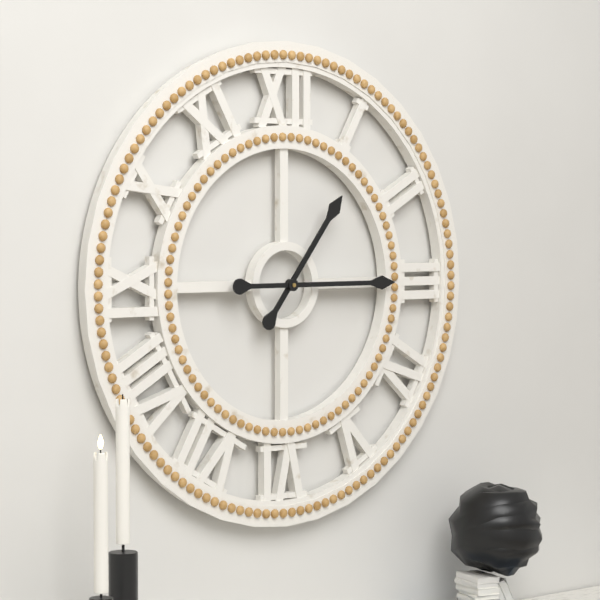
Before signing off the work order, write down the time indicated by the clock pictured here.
1:15
